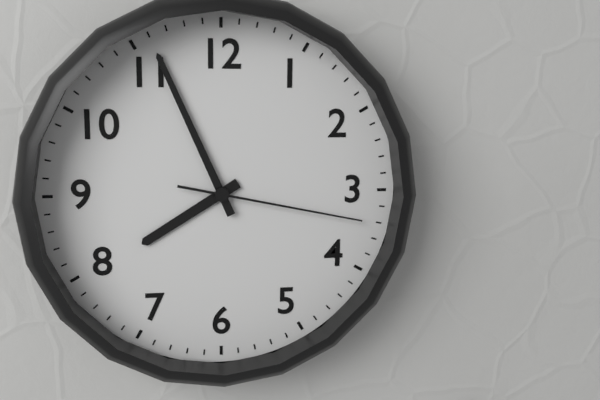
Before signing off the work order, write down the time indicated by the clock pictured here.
7:56:17
